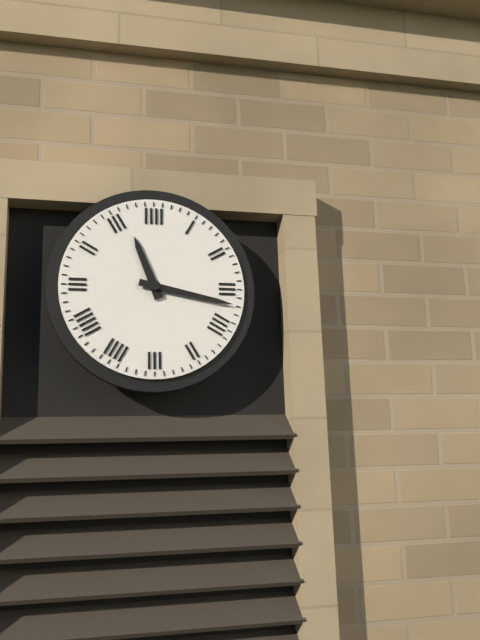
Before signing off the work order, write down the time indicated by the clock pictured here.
11:17
